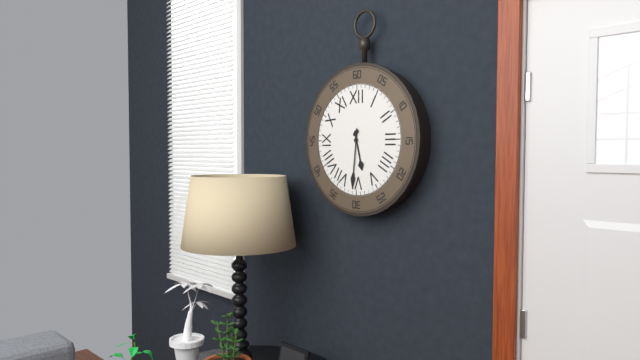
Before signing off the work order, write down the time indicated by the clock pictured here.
5:31
